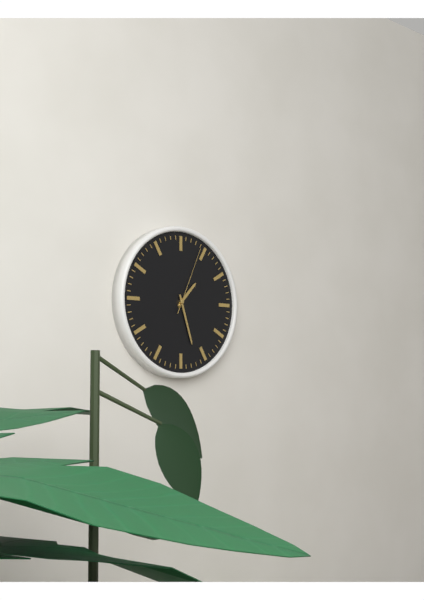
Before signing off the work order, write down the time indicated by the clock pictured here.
1:27:04
